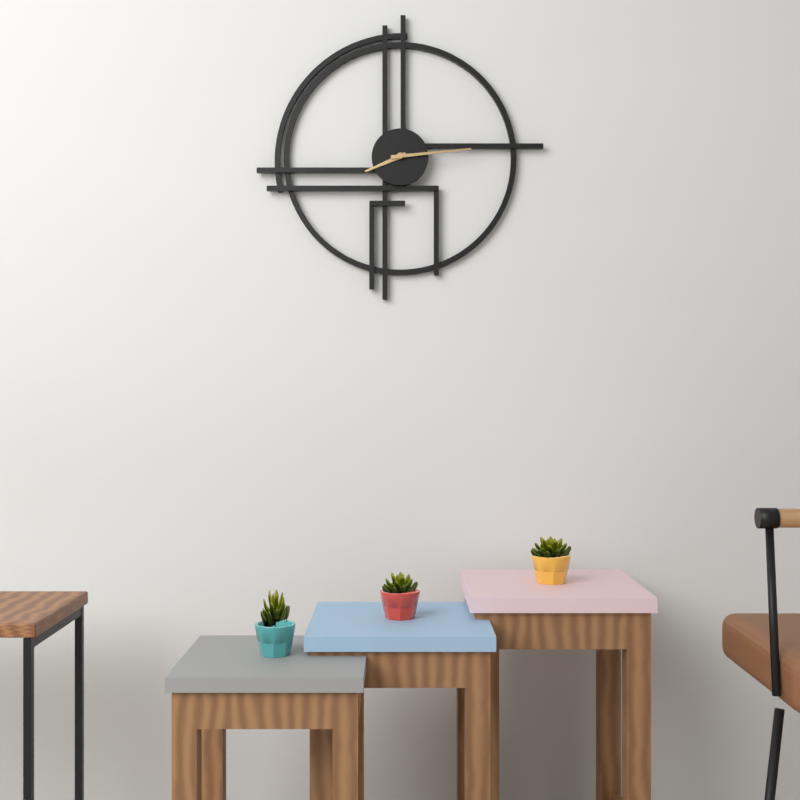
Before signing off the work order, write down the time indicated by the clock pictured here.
8:14
